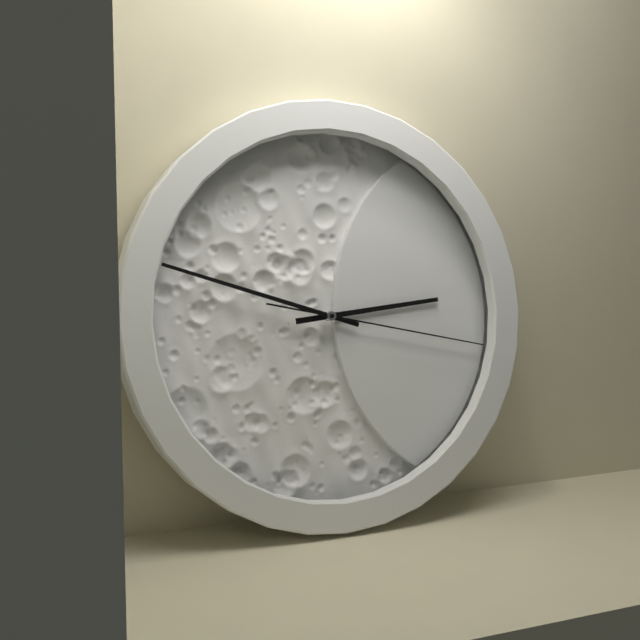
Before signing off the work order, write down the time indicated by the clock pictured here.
2:48:17
